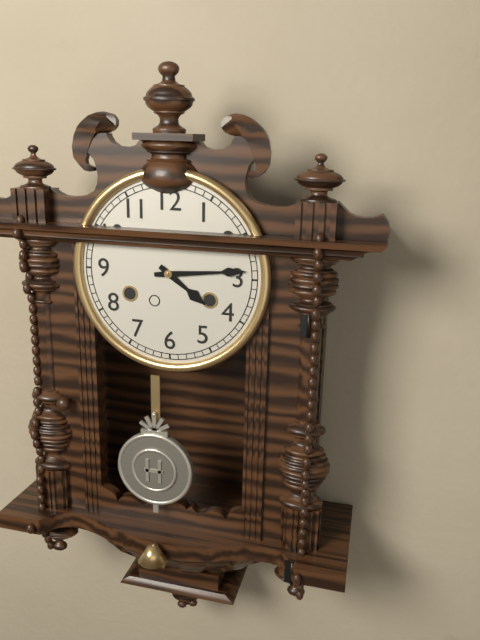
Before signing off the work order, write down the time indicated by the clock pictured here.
4:14
